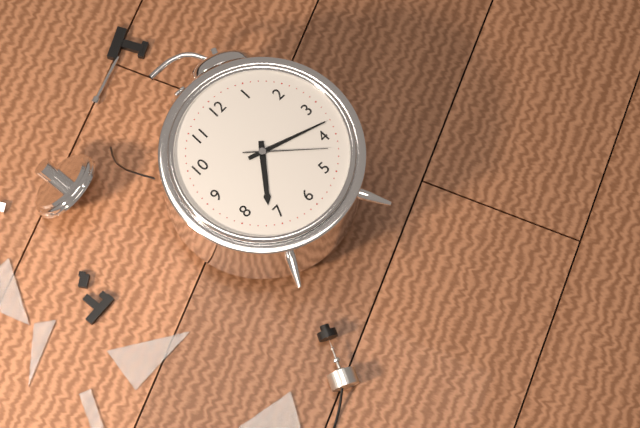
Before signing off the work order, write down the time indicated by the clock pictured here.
7:18:22
